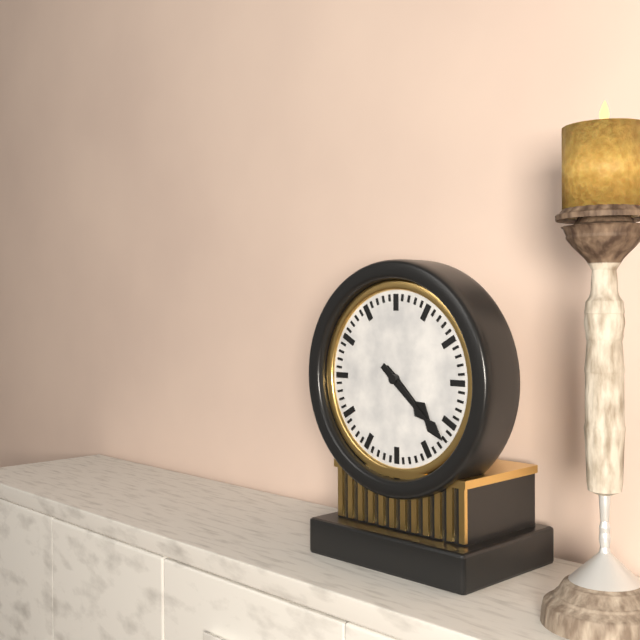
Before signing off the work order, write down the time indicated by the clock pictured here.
4:22
